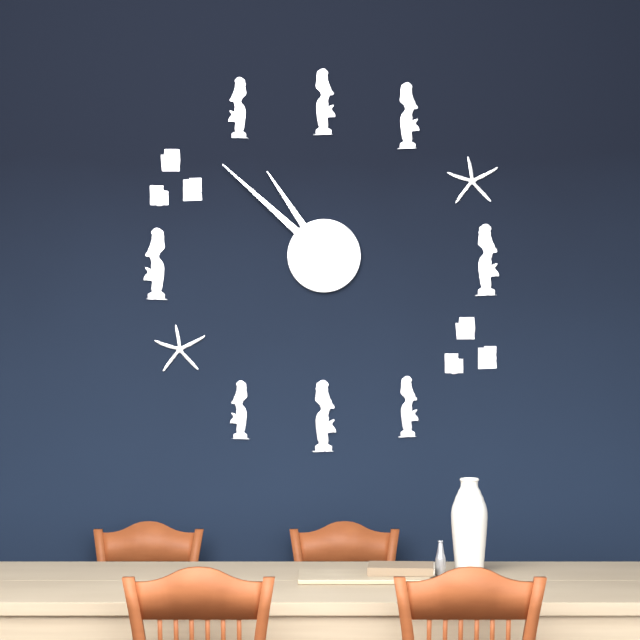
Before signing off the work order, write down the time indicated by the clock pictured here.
10:52
